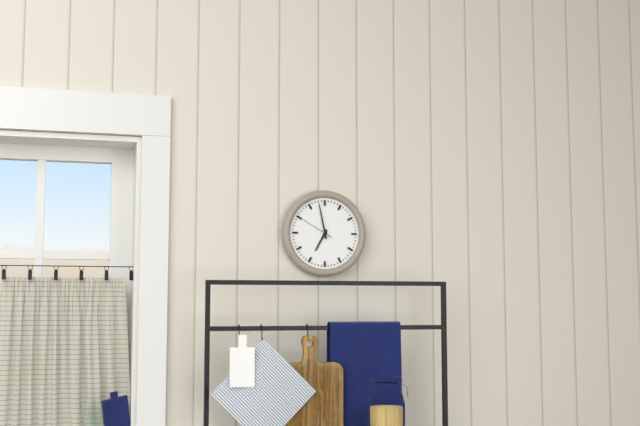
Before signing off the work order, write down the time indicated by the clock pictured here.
6:58
